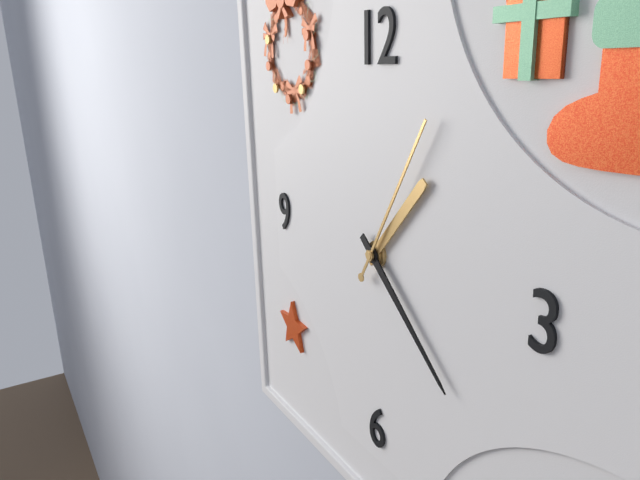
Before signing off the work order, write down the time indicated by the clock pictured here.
1:22:05
